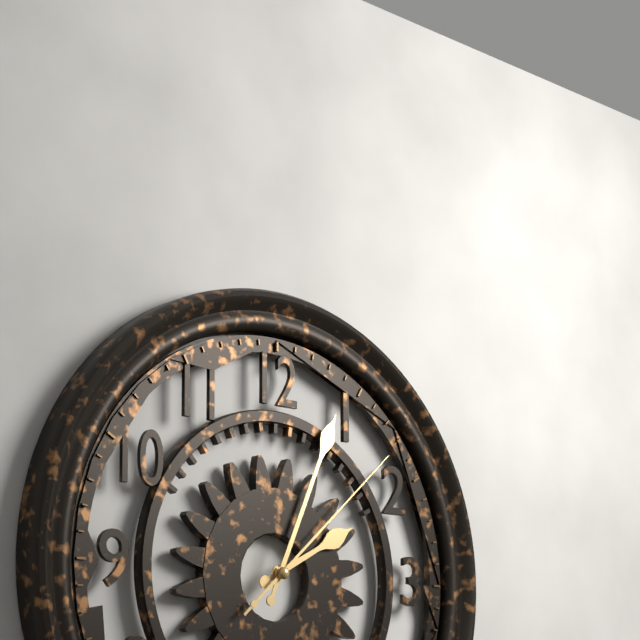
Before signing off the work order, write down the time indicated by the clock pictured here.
2:04:08
